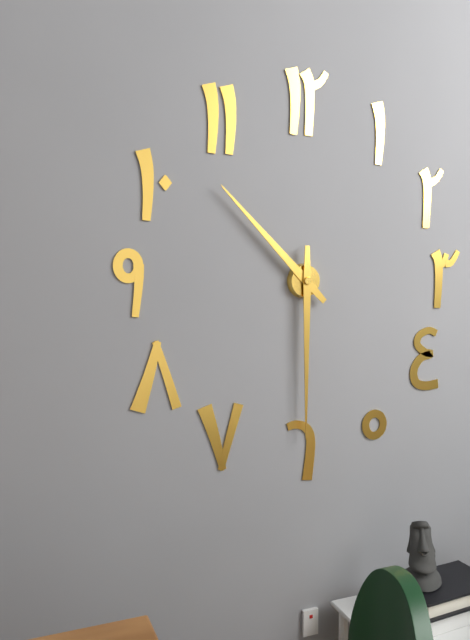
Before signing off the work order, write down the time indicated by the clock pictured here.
10:30
